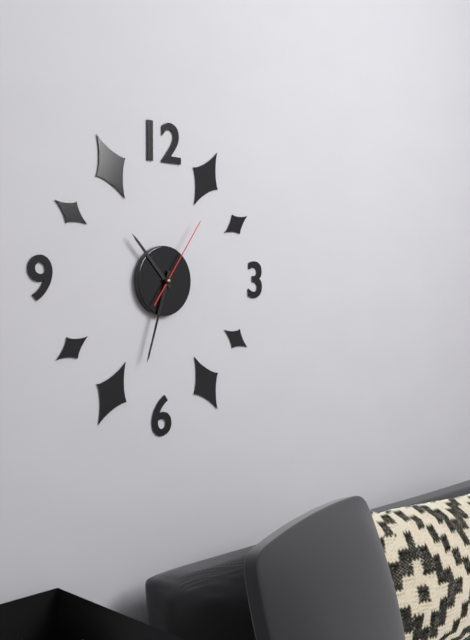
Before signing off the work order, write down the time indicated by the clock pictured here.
10:33:06
